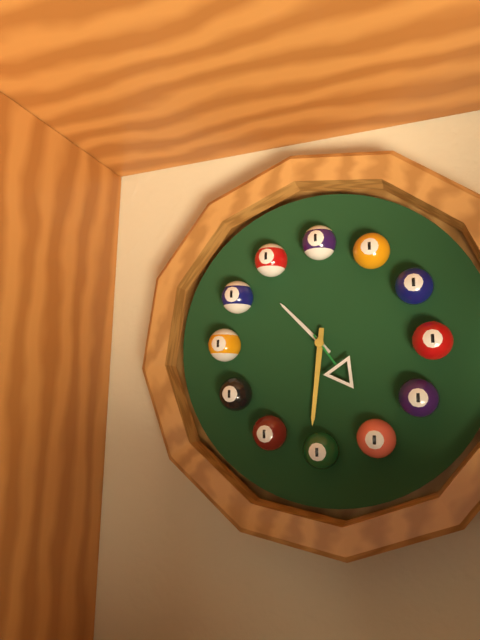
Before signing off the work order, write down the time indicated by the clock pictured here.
10:31:24
